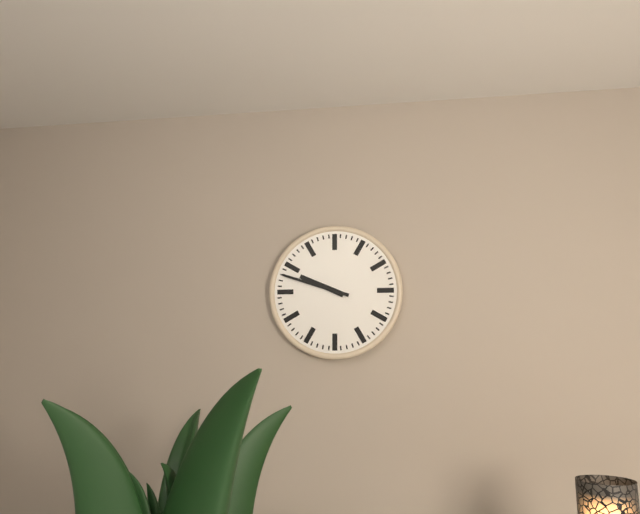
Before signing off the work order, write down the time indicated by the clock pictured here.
9:48
